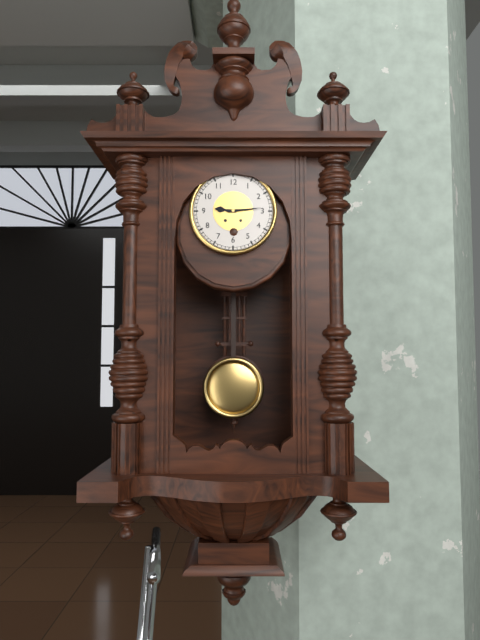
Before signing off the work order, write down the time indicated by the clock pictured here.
9:14
